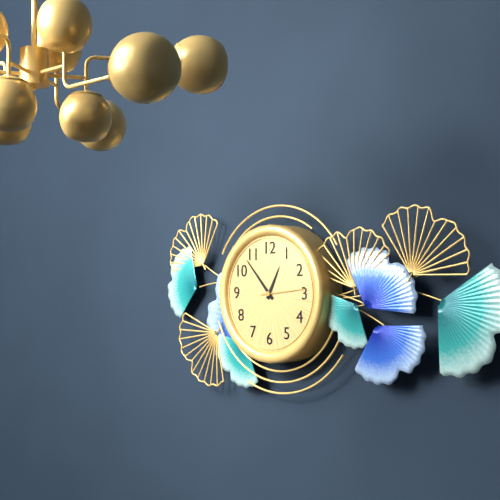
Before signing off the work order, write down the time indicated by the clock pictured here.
12:53
